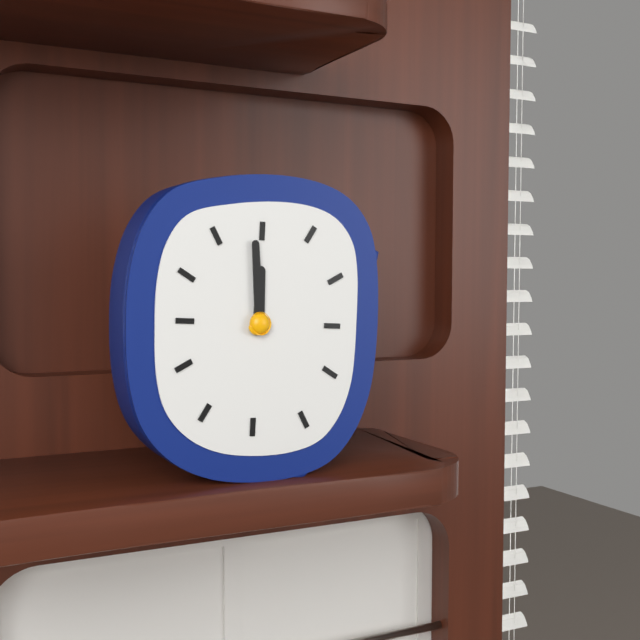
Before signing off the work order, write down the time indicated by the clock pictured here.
11:59
